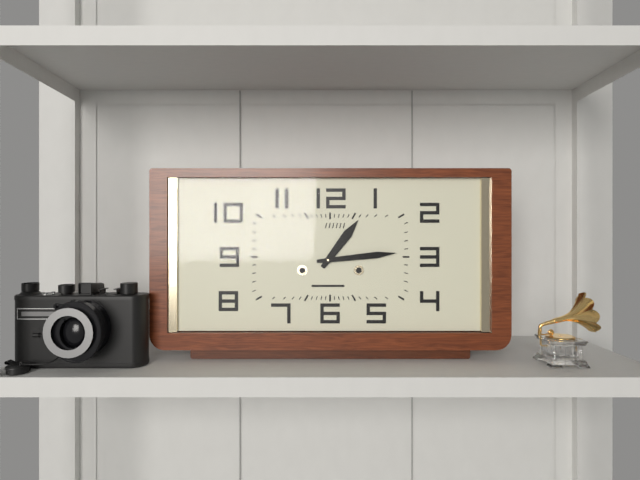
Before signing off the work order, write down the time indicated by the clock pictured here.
1:14
